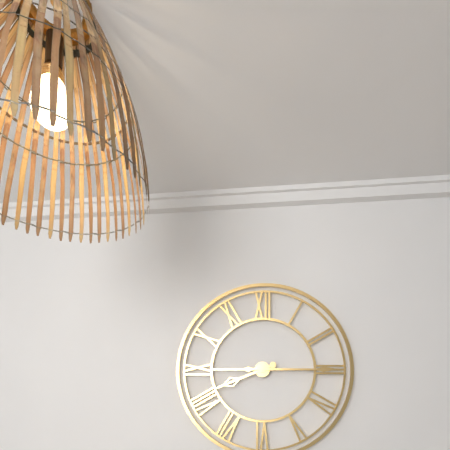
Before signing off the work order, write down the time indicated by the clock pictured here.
8:15
